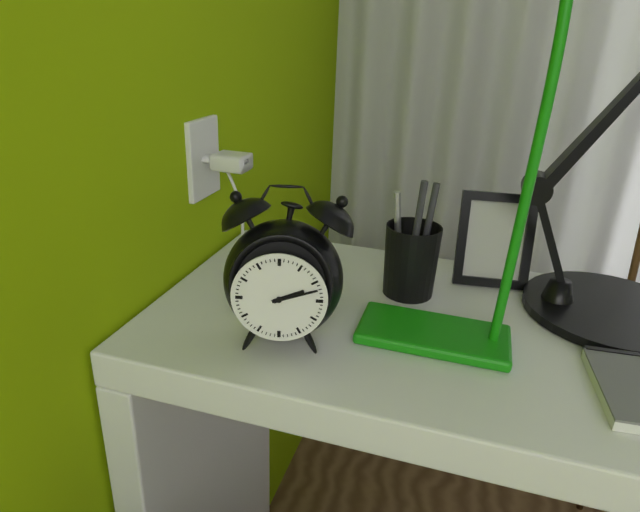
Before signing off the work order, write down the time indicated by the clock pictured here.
2:12
